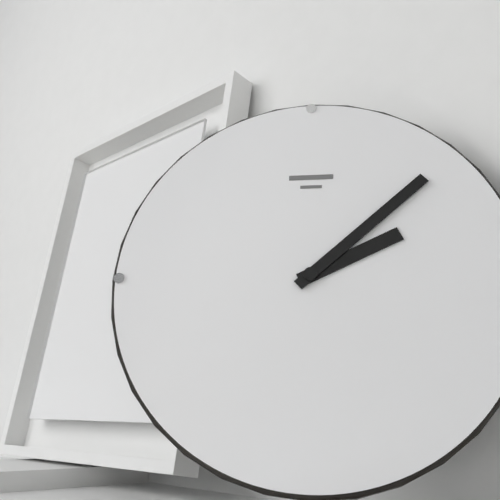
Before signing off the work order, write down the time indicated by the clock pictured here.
2:08
